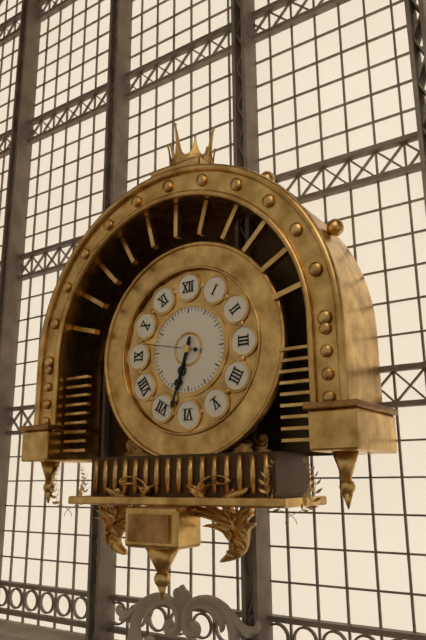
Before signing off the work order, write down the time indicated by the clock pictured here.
6:33:47
